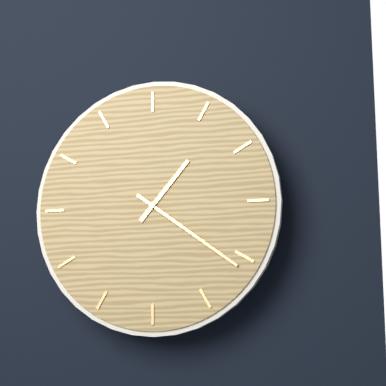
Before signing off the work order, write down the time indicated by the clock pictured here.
1:21
